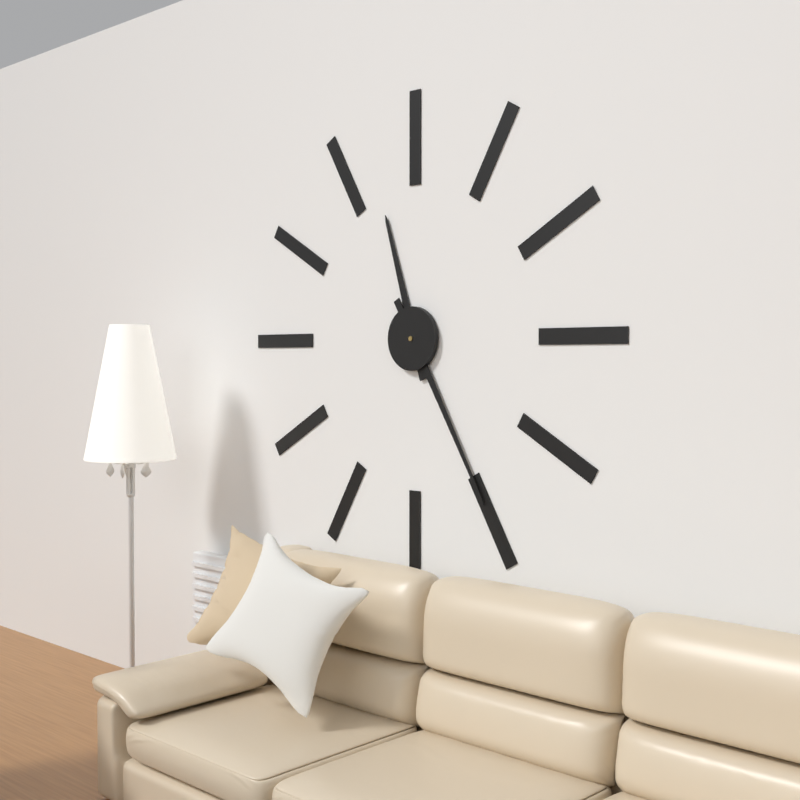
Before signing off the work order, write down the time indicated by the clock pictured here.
11:25
